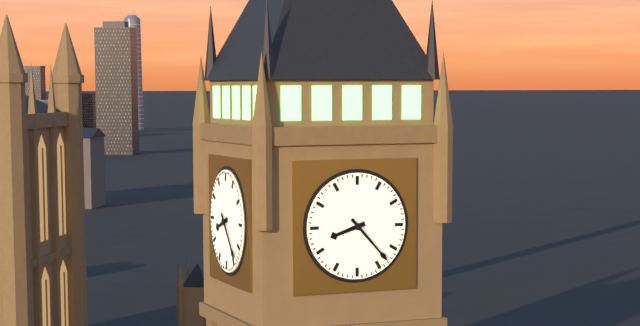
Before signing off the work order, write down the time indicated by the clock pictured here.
8:23
